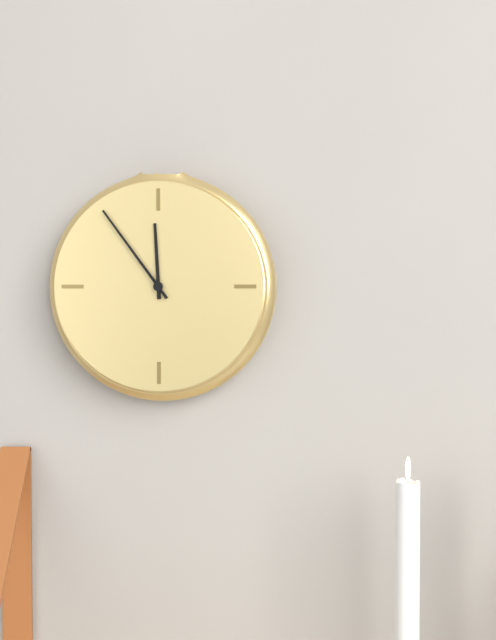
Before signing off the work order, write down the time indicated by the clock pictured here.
11:54
